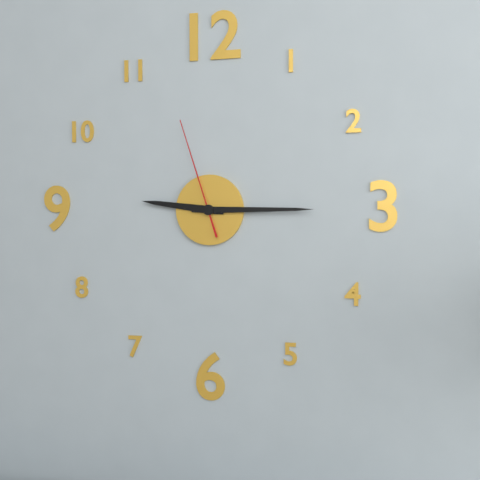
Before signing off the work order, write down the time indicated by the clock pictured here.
9:15:57
